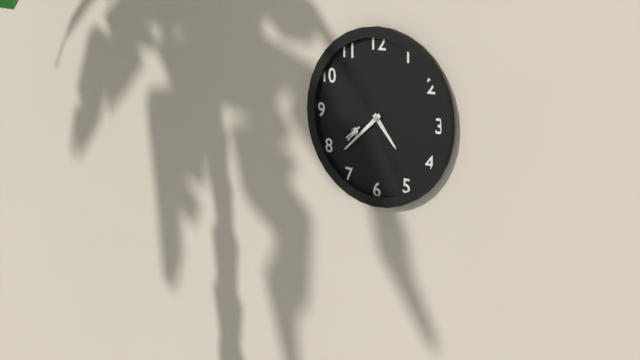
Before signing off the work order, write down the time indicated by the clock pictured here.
4:38
